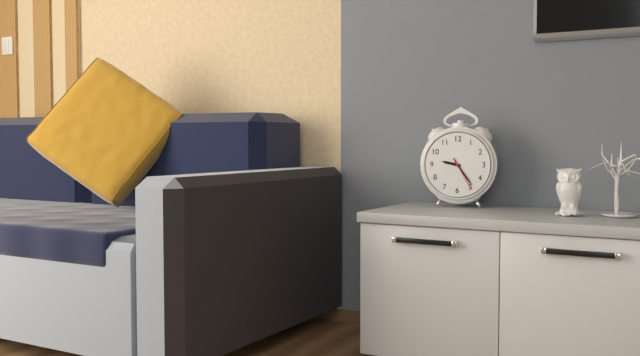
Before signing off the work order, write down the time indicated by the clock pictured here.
9:24
